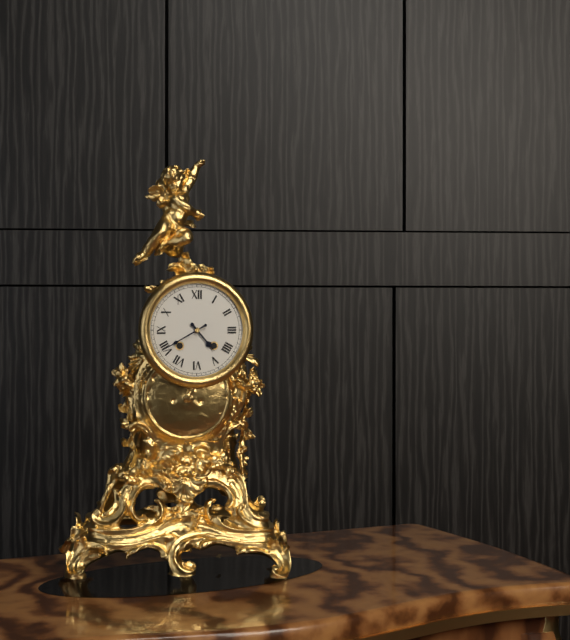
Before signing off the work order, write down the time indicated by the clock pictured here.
4:40
